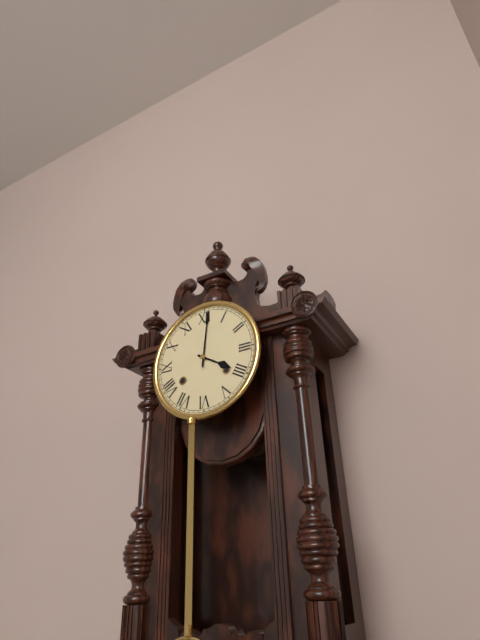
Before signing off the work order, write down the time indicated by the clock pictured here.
4:01
